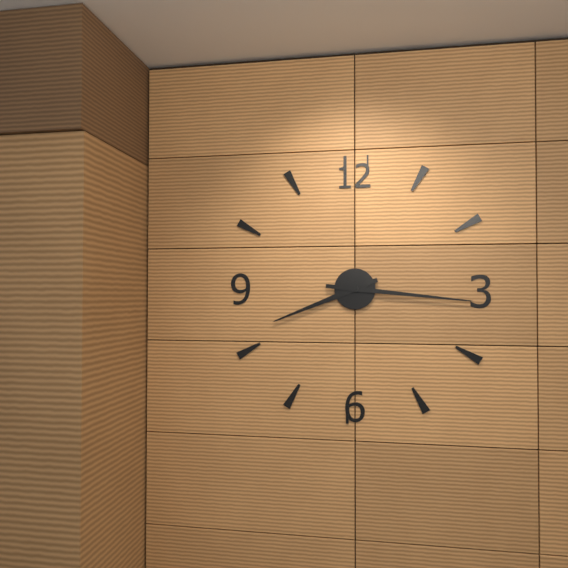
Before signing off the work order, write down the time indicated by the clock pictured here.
8:16
